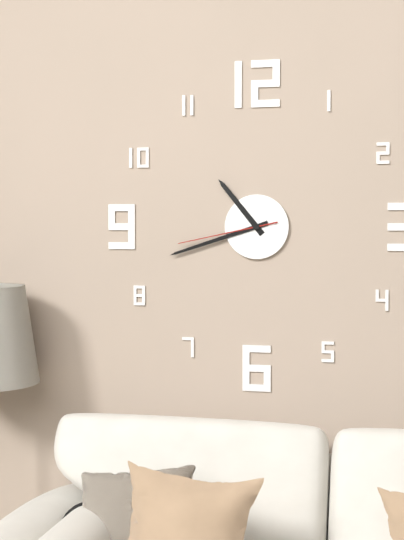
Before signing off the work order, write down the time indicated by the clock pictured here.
10:42:43
